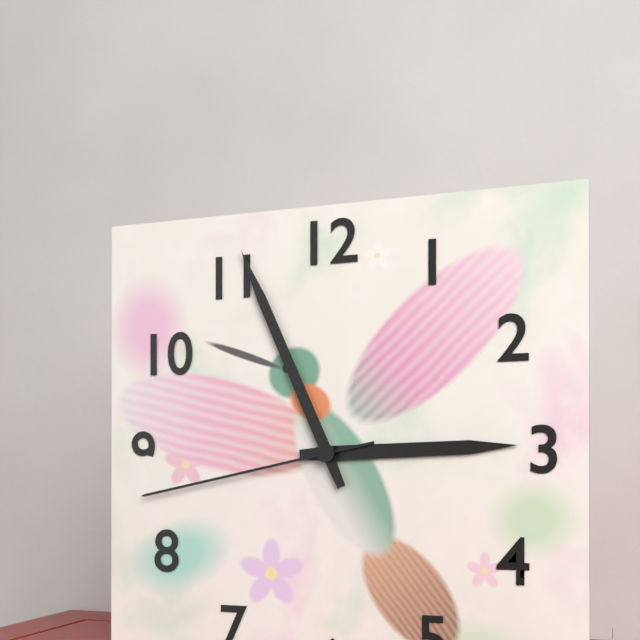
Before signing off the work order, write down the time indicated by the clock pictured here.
2:56:43
